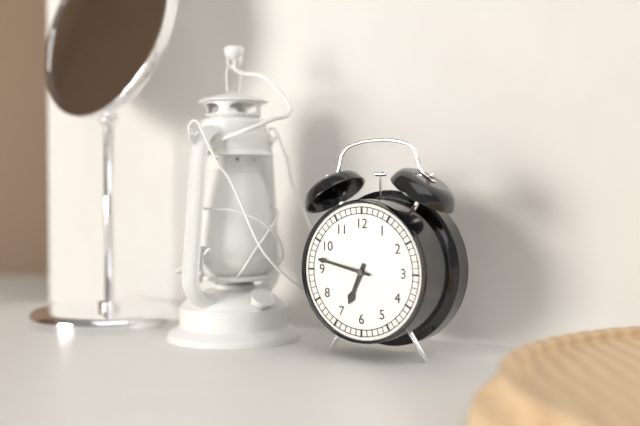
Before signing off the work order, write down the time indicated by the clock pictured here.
6:47
